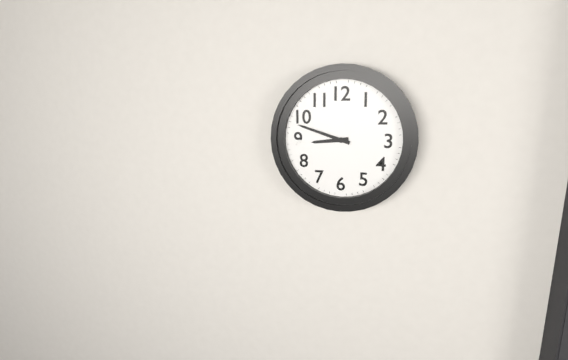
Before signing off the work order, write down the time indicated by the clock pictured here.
8:48
